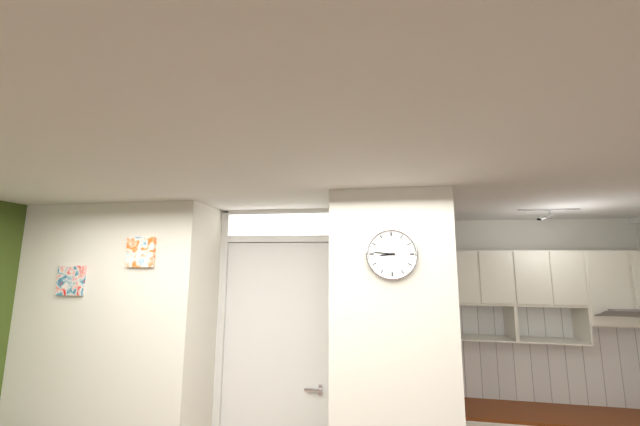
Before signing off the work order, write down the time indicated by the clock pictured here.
8:46
